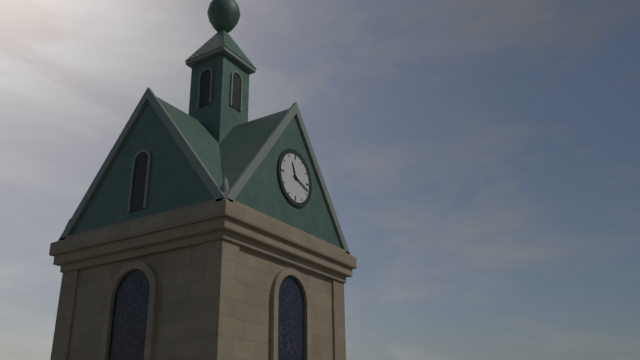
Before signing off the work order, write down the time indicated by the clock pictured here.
11:18
